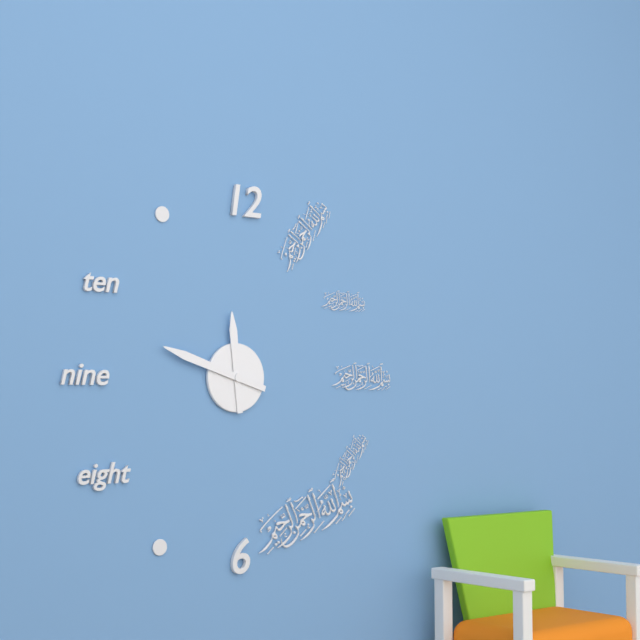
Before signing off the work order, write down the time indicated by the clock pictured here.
11:48
